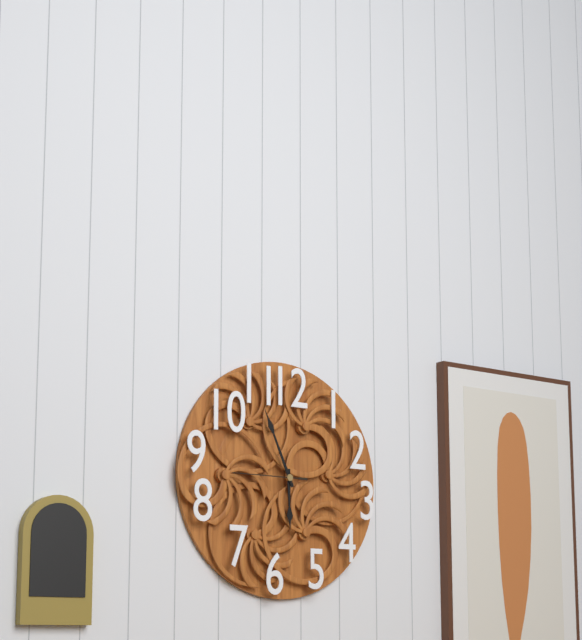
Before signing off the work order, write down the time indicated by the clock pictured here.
5:56:45
